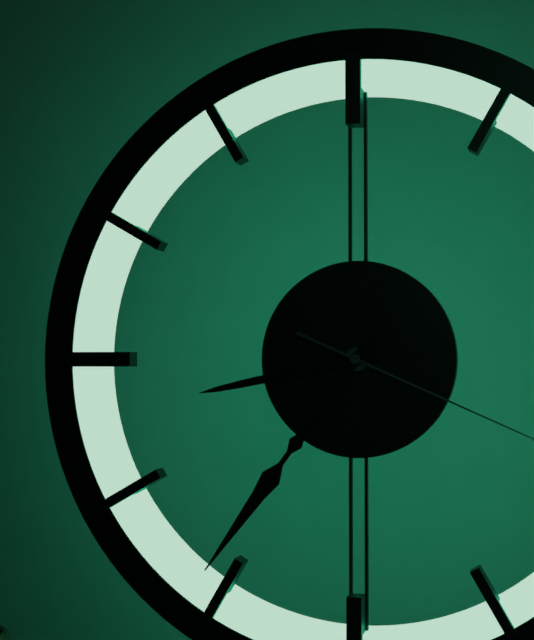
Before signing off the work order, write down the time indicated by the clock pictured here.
8:36
